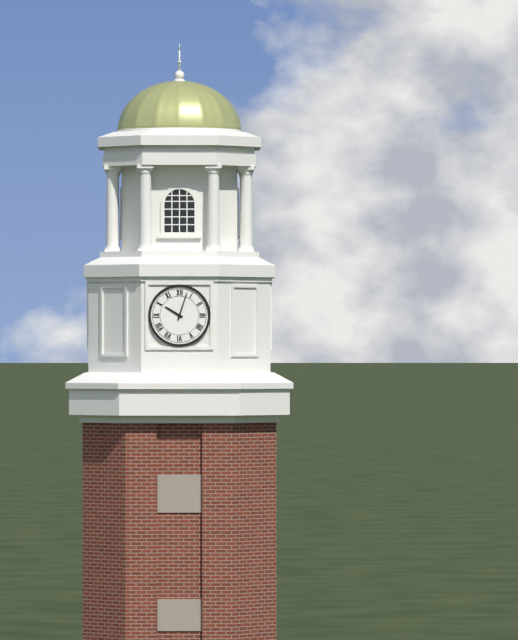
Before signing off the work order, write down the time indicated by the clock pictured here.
10:03
